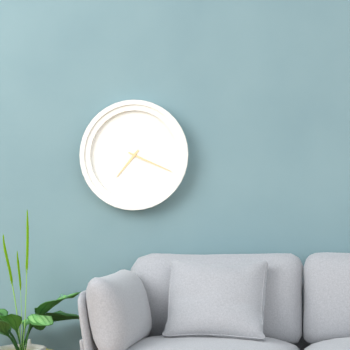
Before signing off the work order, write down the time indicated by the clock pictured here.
7:19
